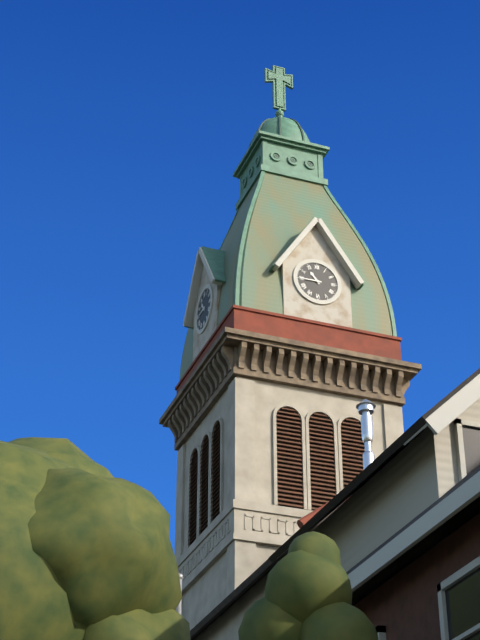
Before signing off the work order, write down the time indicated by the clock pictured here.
10:45
